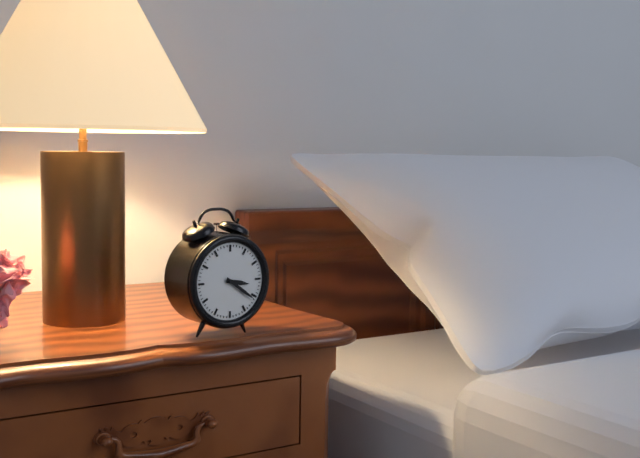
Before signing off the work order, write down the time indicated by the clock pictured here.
3:21
